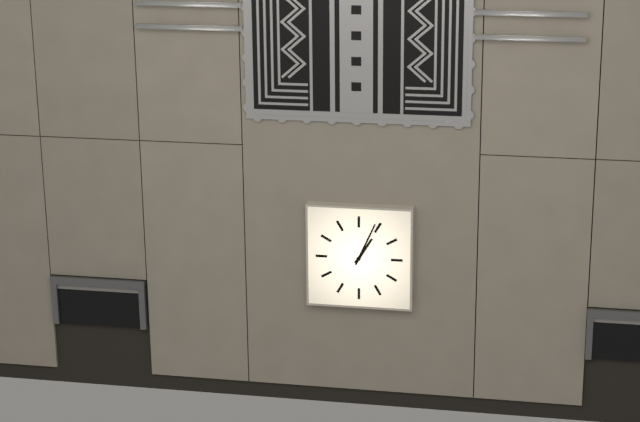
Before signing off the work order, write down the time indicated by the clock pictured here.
1:04
